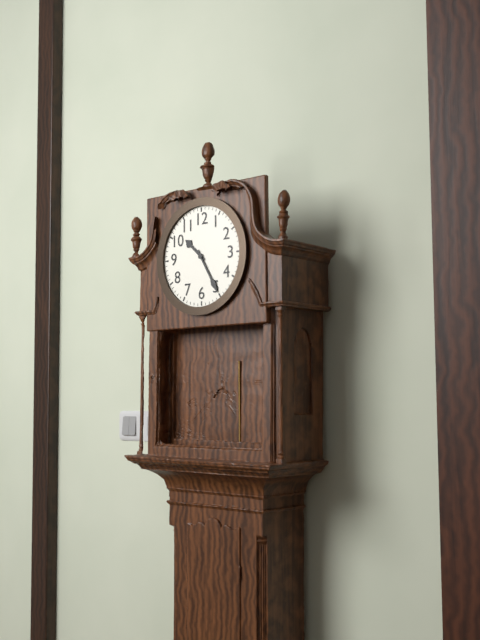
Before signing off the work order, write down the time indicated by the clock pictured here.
10:25
